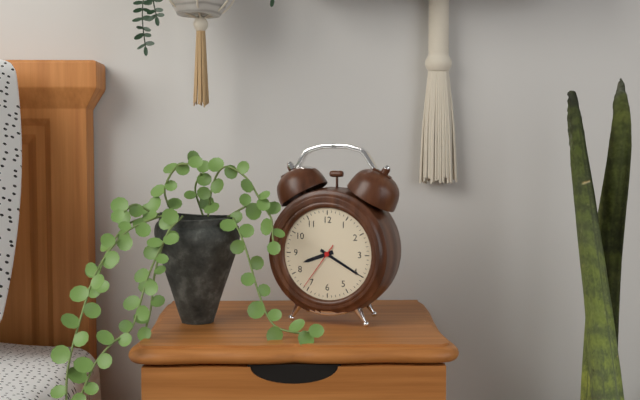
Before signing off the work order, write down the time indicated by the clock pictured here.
8:20
